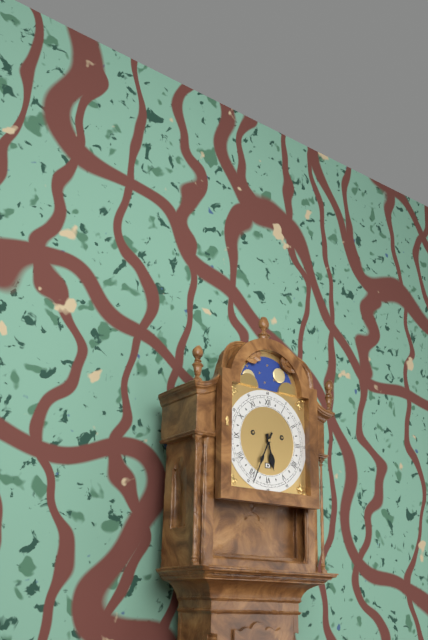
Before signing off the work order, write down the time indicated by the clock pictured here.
5:34
